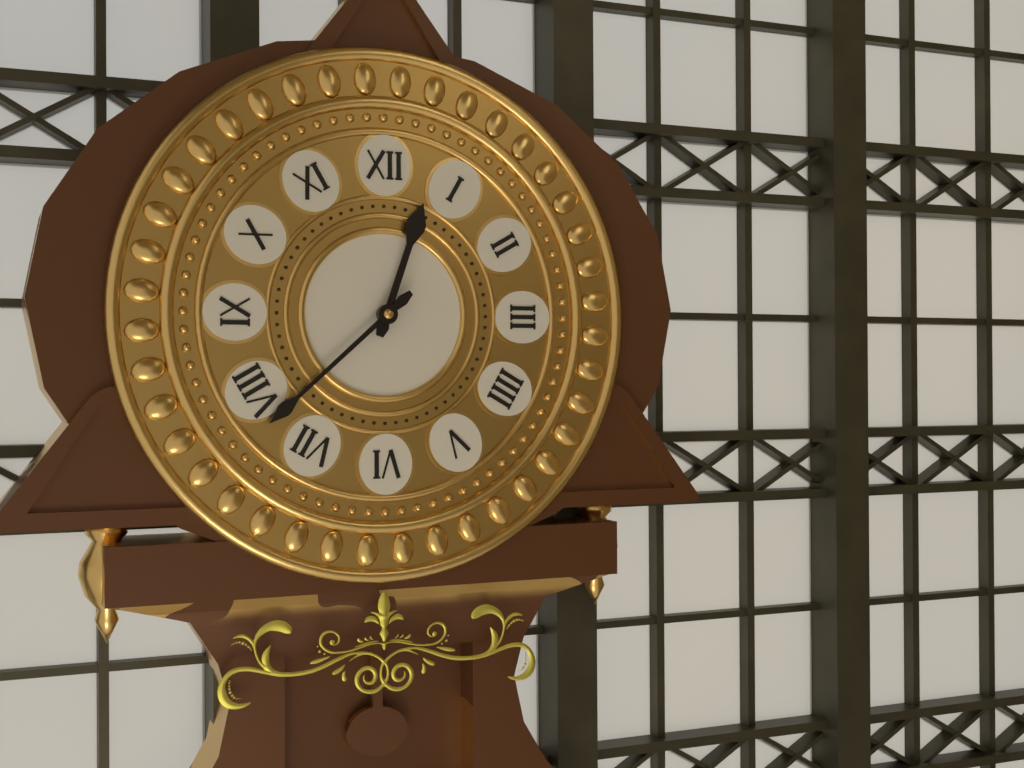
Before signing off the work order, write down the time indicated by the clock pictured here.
12:38
